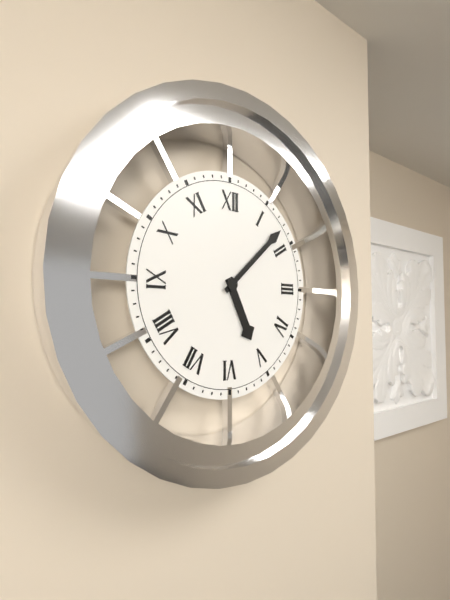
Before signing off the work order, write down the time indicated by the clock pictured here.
5:08
